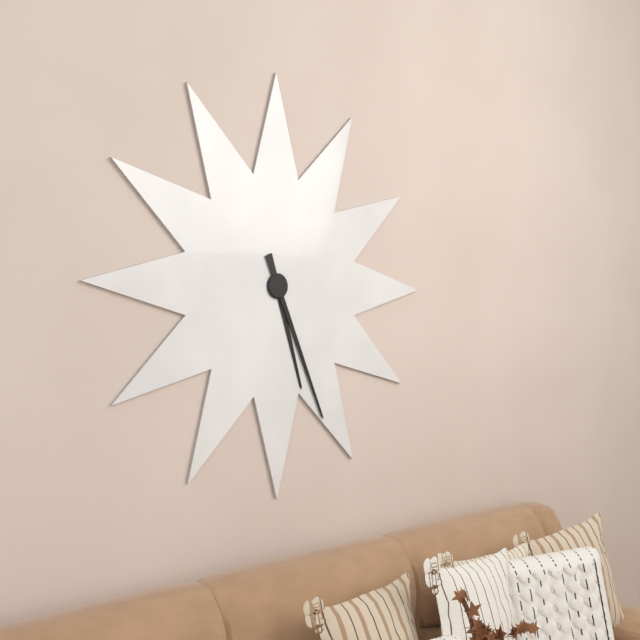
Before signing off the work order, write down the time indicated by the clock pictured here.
5:26
